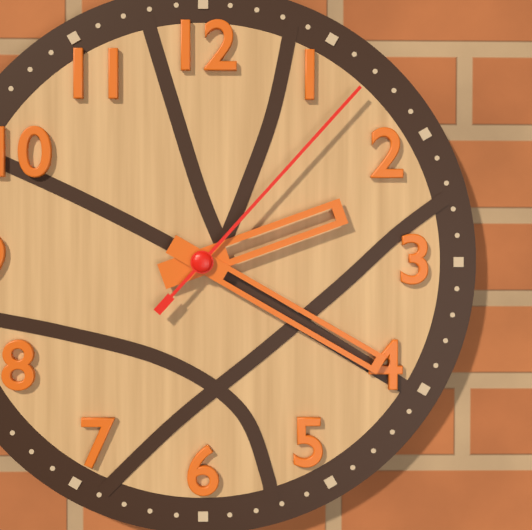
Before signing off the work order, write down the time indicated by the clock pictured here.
2:20:07
